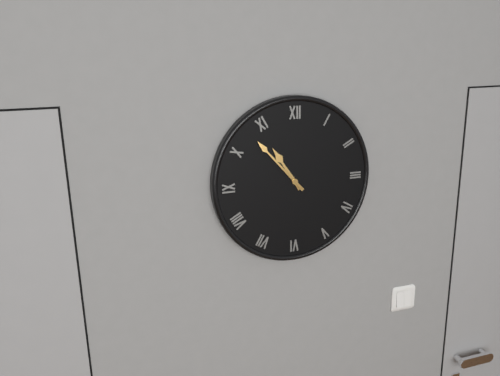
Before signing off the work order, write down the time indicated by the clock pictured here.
10:53
